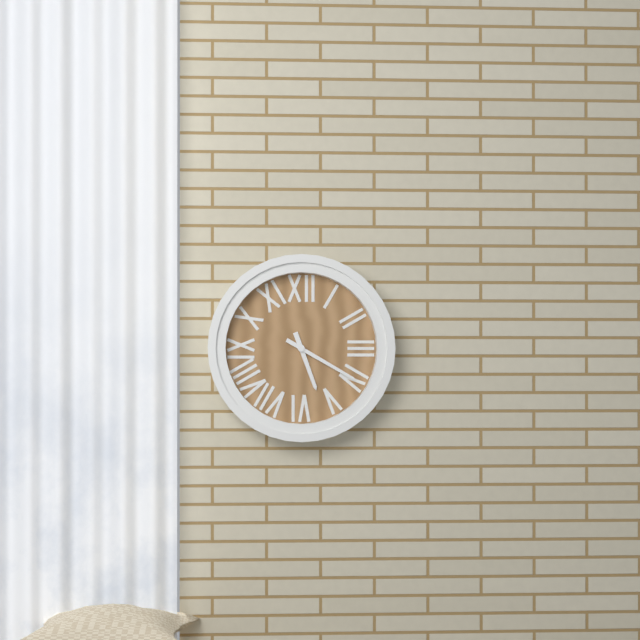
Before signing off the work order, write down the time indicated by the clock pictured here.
5:20
